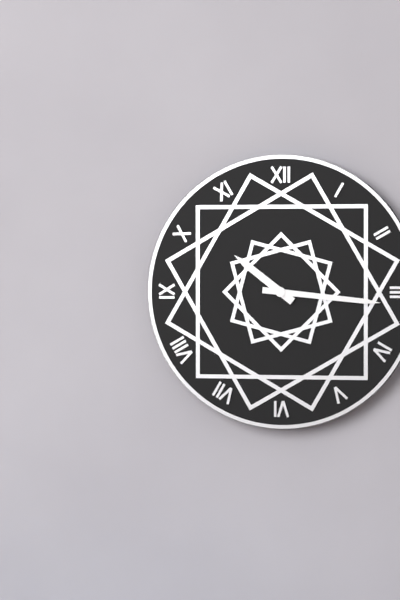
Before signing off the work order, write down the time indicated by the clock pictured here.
10:16
